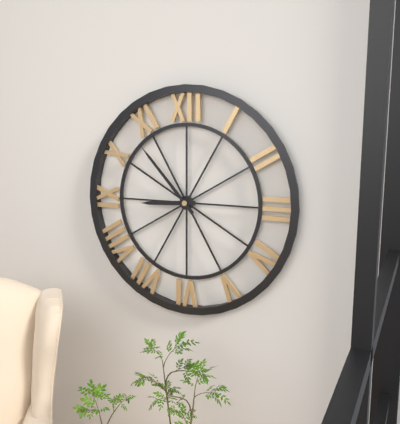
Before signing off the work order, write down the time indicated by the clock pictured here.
8:53
